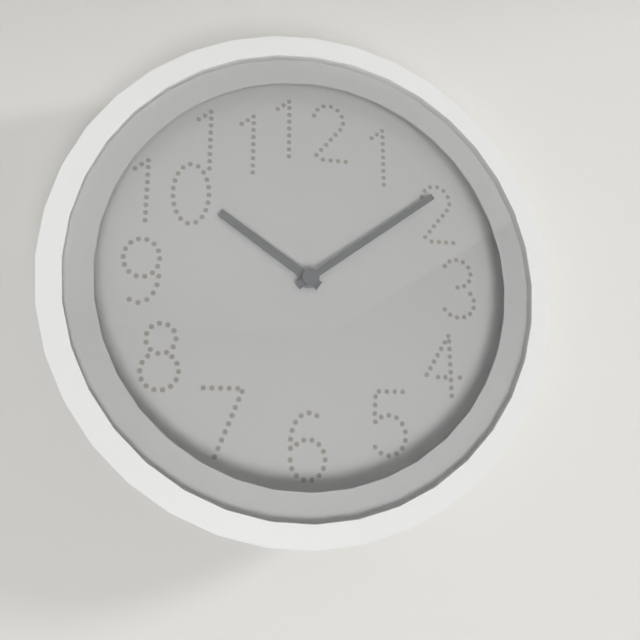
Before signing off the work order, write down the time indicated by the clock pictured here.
10:09
